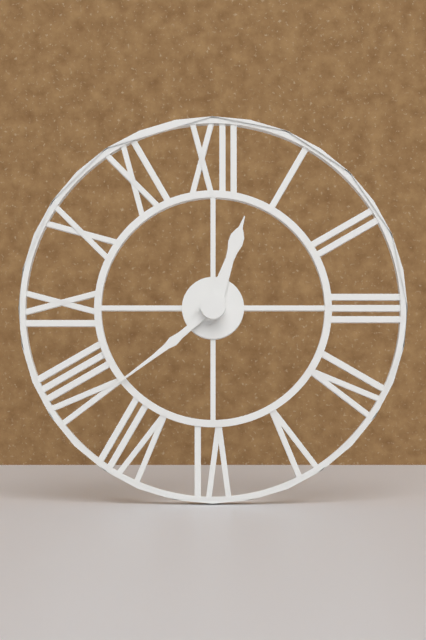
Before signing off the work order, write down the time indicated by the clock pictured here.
12:38
